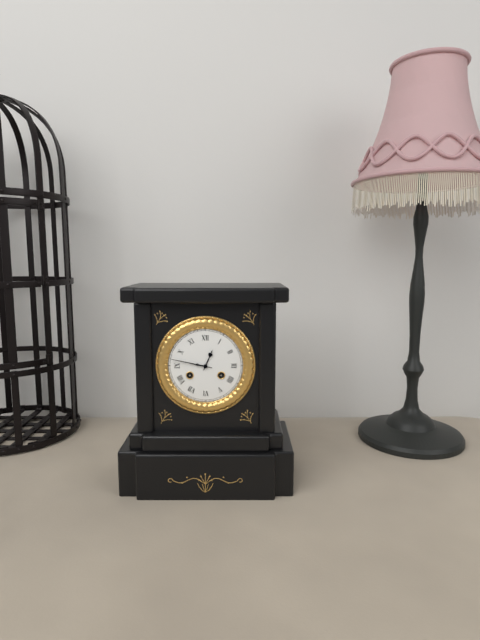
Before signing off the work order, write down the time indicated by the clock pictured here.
12:47
